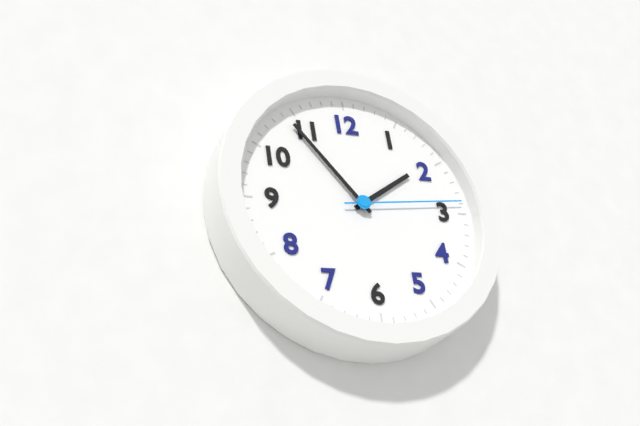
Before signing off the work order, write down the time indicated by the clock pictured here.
1:54:14
